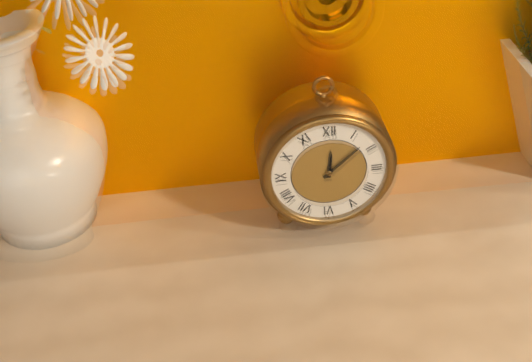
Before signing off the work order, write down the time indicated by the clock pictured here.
12:08
